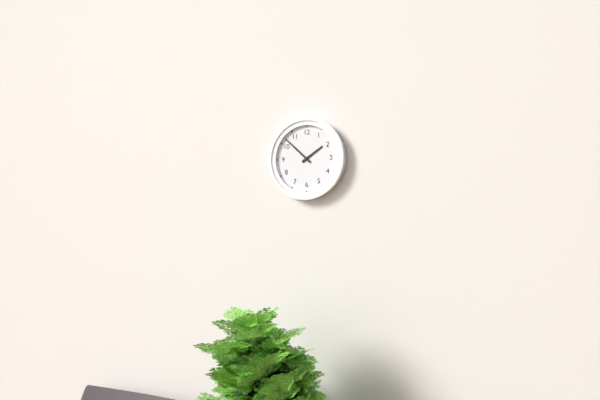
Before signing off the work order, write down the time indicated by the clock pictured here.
1:52
